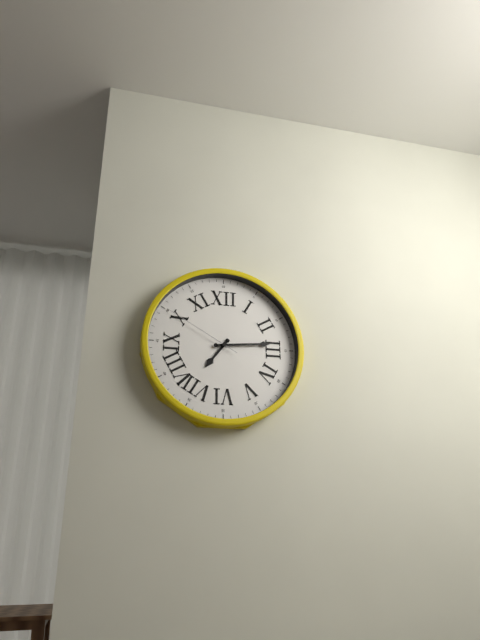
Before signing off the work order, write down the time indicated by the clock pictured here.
7:14:50
